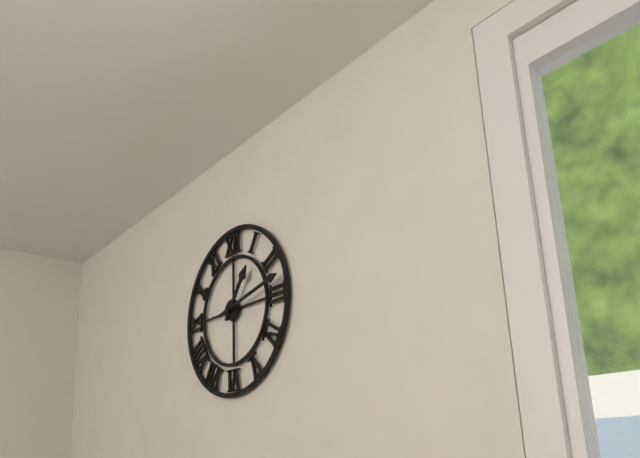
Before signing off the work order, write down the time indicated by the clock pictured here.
1:13
